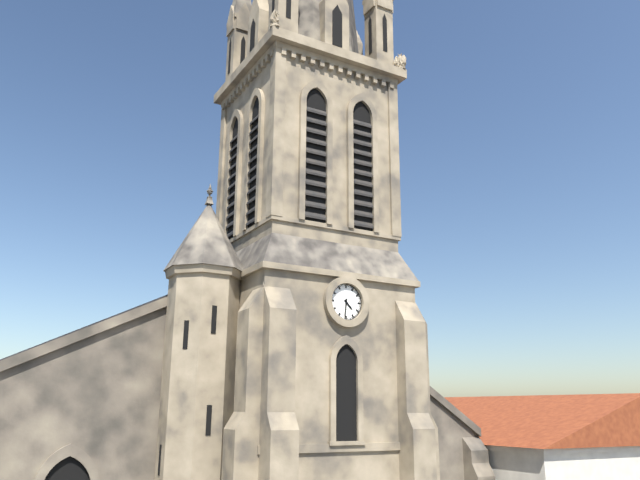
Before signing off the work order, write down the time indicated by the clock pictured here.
4:31
